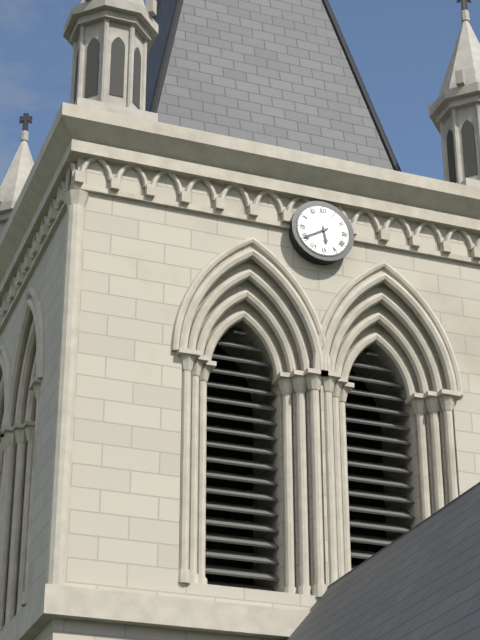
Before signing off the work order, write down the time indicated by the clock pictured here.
5:40
